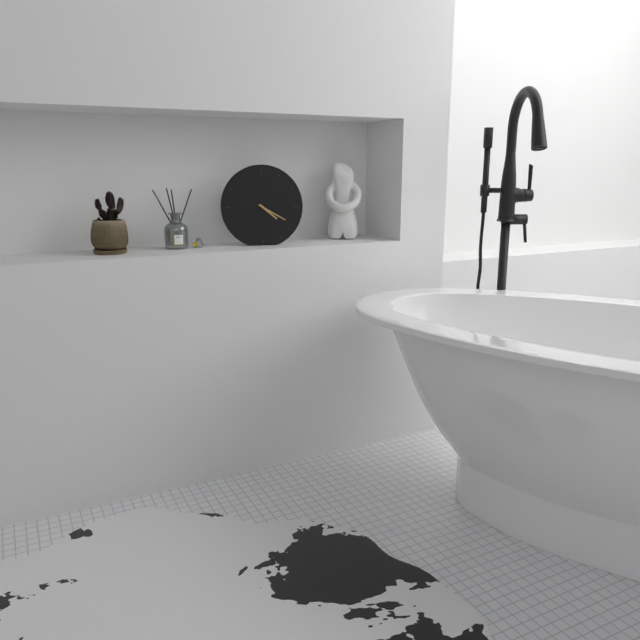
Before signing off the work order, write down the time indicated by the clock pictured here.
4:20
